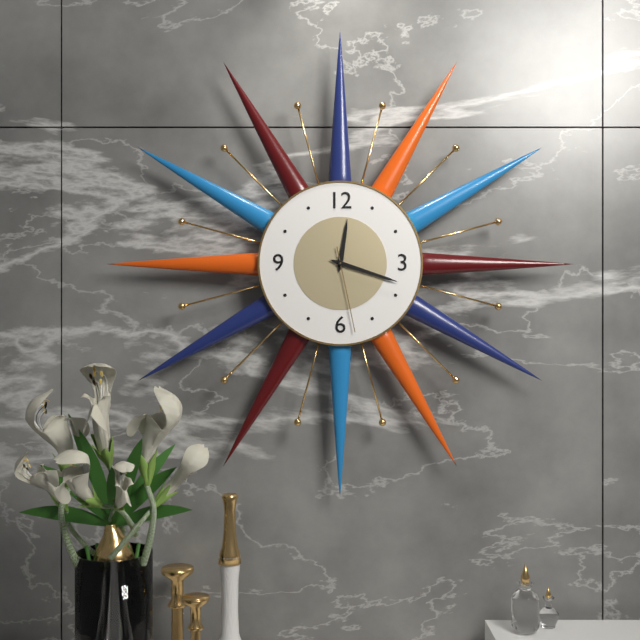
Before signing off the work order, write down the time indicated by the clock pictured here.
12:18:28
